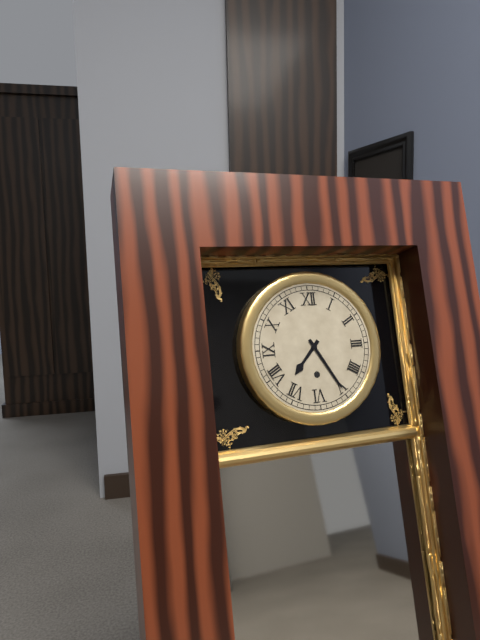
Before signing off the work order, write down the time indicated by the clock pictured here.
7:25
